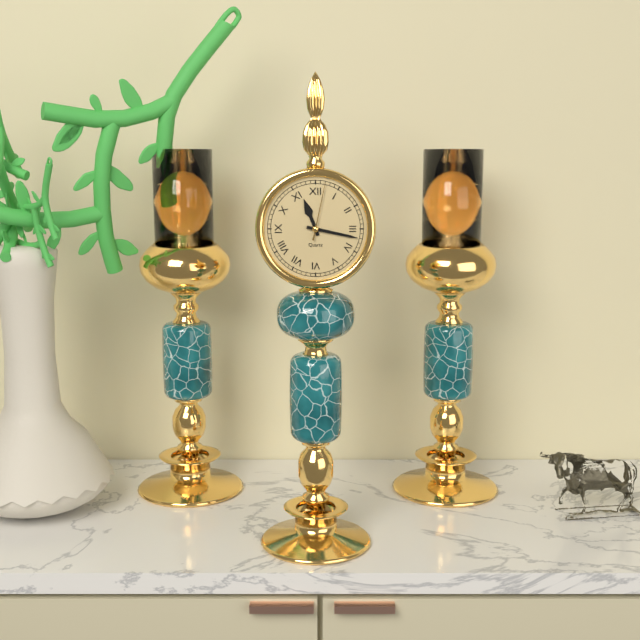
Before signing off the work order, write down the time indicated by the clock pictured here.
11:17:02
